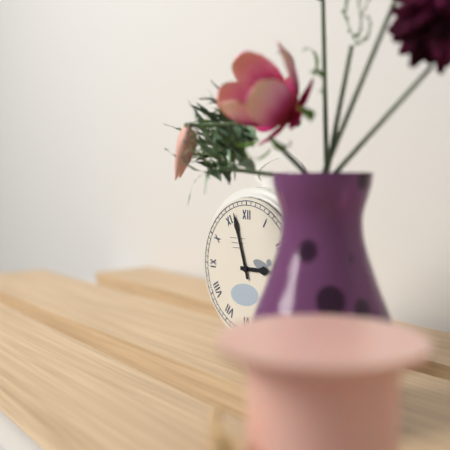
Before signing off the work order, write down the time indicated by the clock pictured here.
2:57
